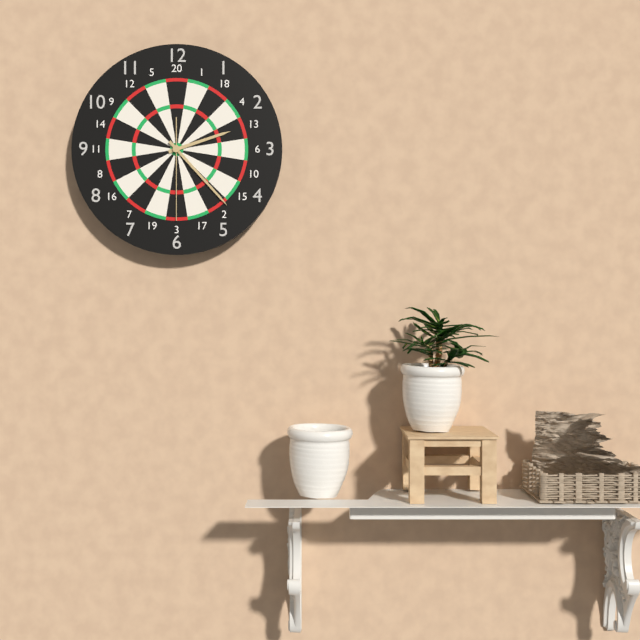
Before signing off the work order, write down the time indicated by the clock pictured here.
2:23:30
